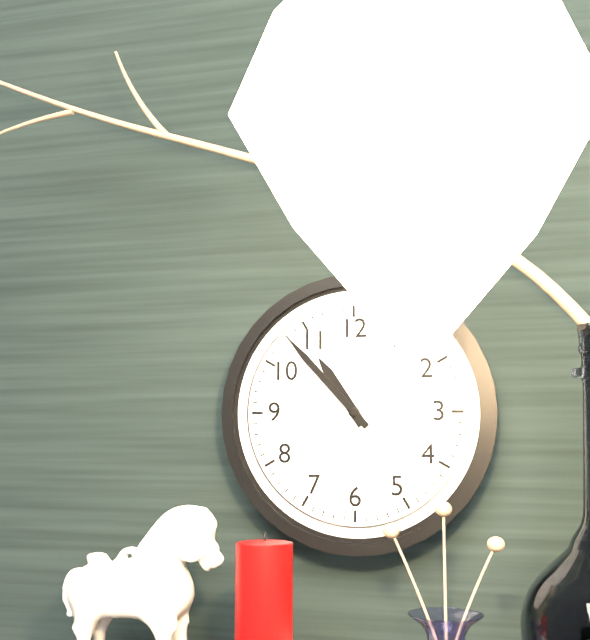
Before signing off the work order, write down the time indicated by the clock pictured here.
10:53
